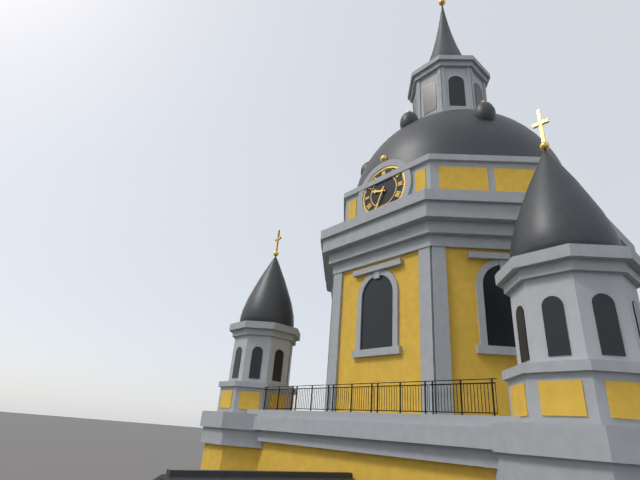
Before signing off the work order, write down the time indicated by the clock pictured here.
9:34
